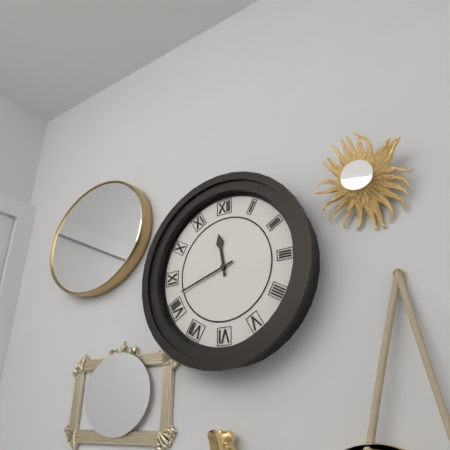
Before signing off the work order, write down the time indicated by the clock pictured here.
11:42
